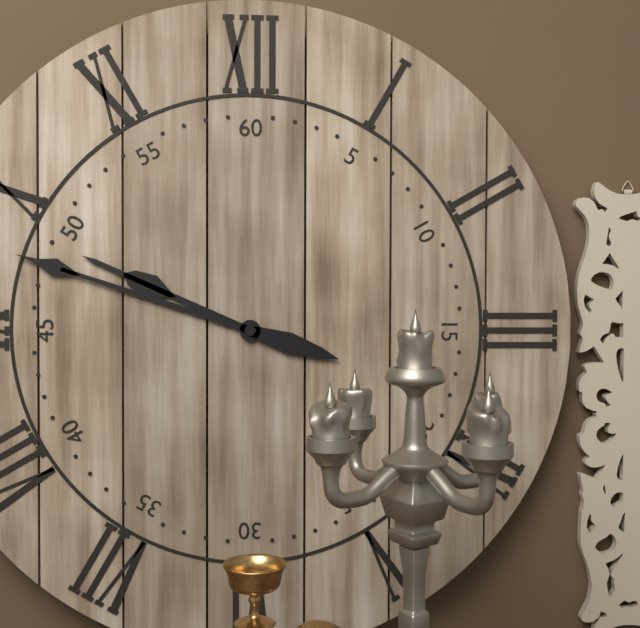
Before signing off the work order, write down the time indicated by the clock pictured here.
9:48
